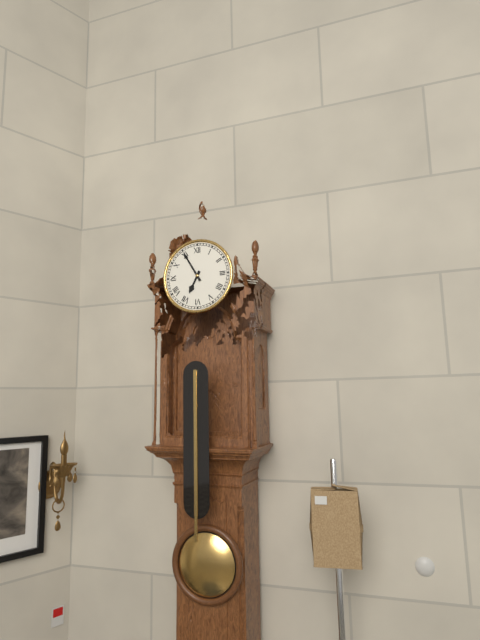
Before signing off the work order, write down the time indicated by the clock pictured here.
6:55
